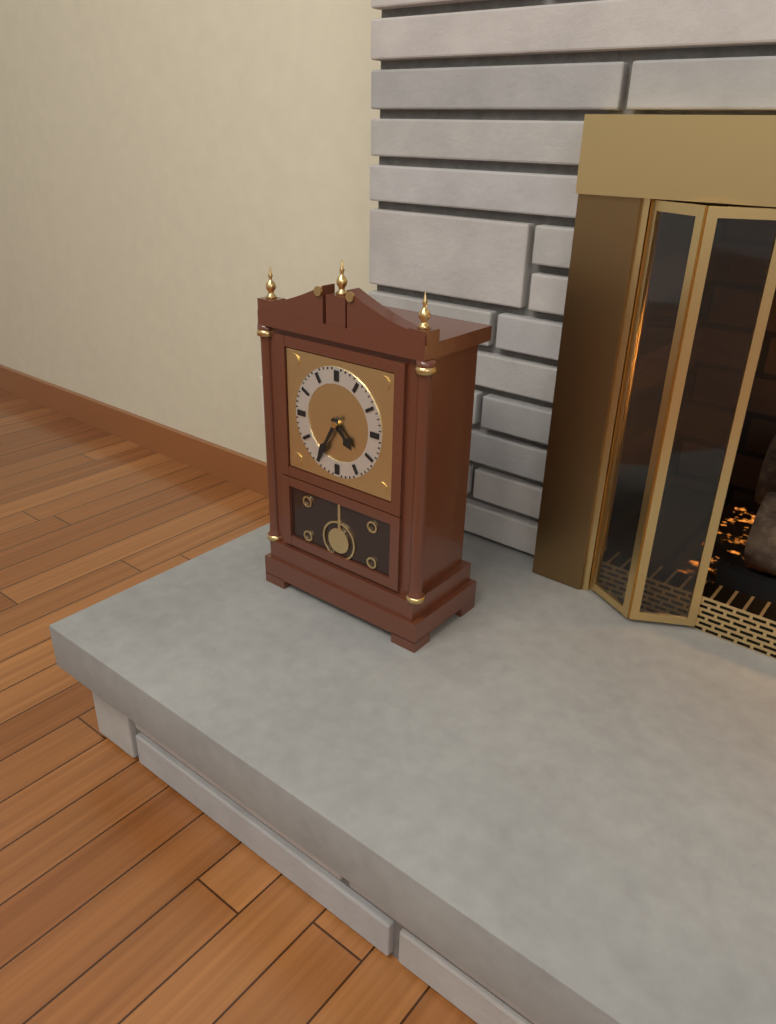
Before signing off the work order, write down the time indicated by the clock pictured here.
4:35
